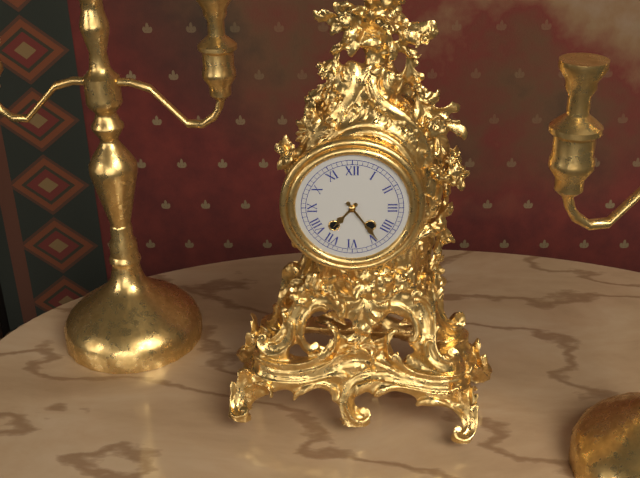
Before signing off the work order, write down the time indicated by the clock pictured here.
7:24
